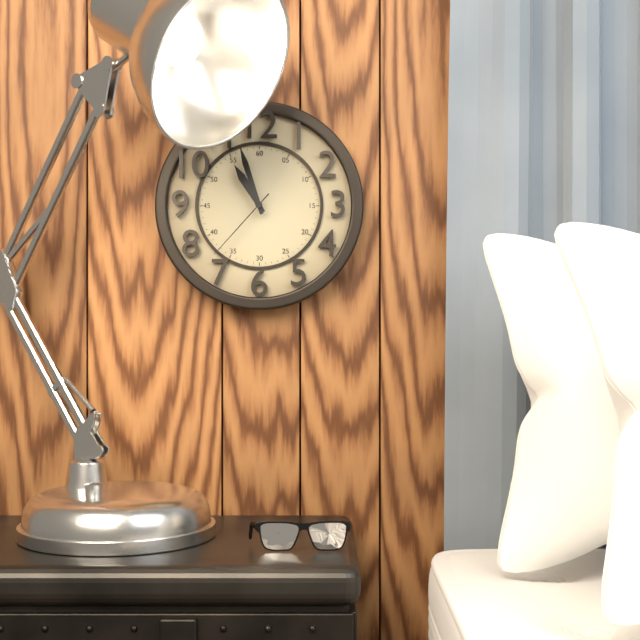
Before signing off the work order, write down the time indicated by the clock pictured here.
10:57:37
